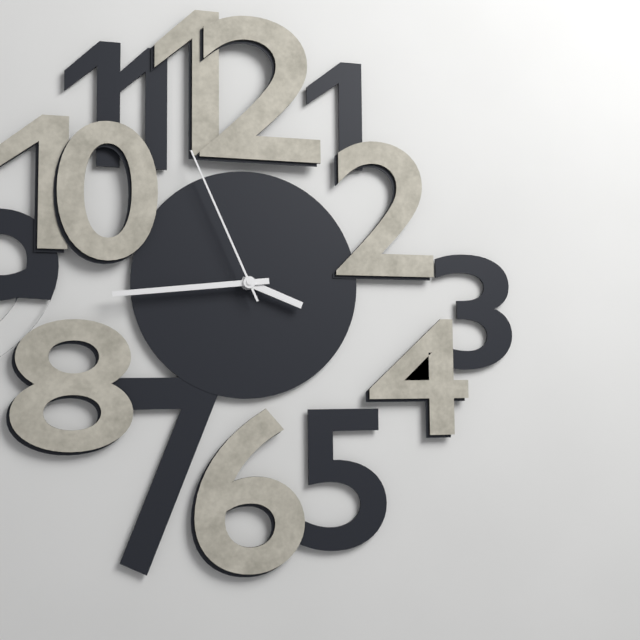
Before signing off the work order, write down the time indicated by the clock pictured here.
3:44:56
